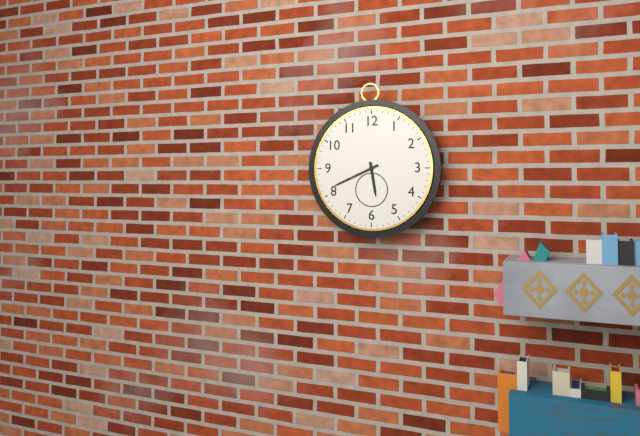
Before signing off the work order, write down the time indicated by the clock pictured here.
5:41
